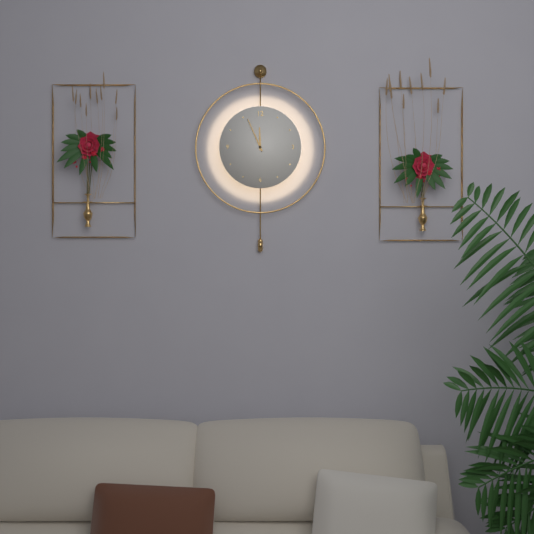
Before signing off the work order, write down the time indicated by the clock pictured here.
11:56
